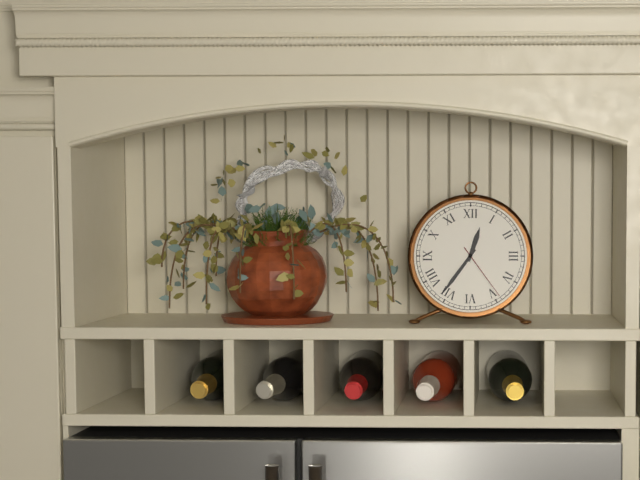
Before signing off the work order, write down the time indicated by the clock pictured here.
12:36:24
